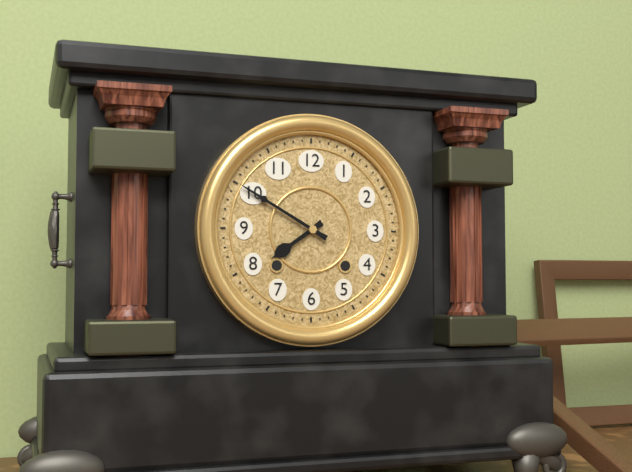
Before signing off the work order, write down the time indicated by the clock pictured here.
7:50
